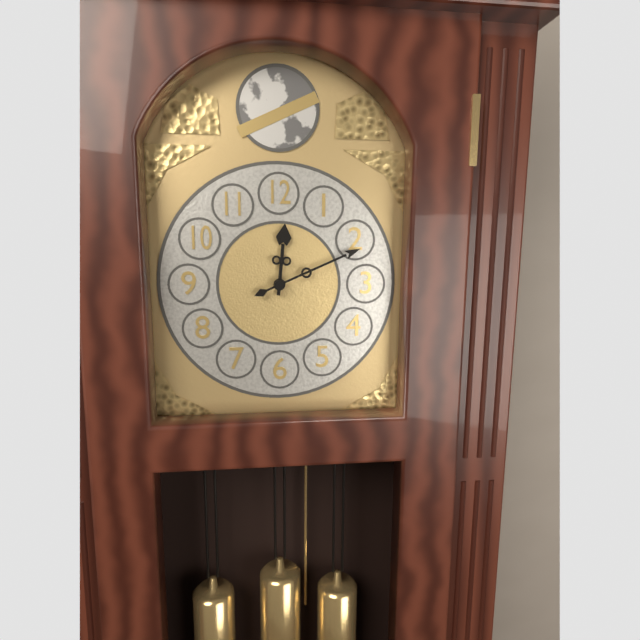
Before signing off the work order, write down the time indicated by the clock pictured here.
12:11
